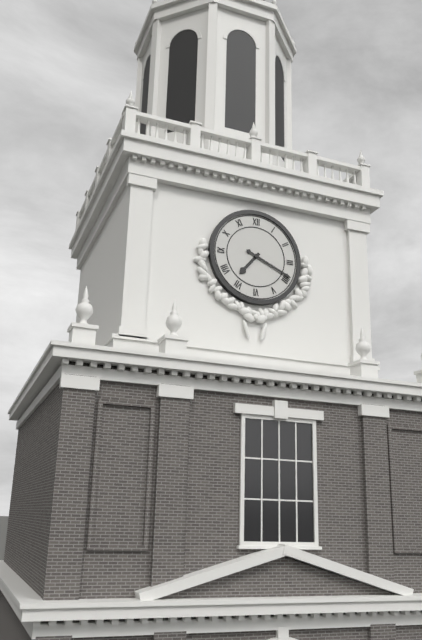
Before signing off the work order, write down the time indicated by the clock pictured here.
7:19
